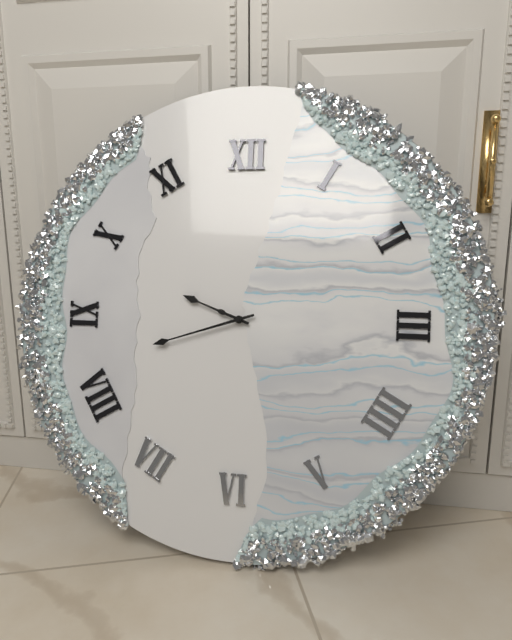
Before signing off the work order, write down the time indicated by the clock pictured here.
9:42
